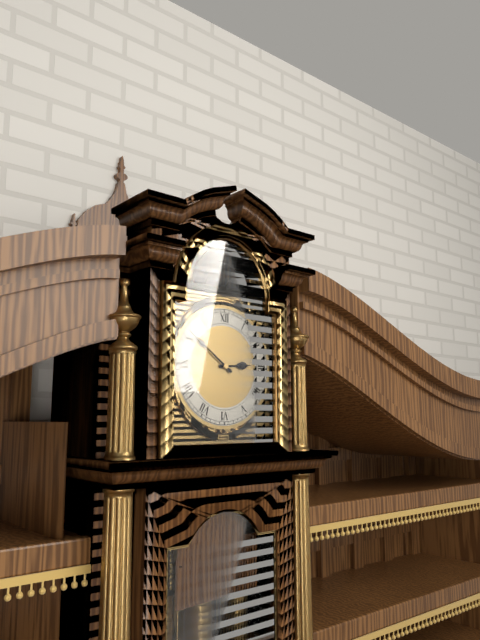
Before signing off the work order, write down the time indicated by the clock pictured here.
2:51
